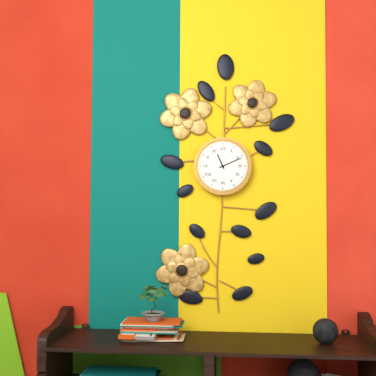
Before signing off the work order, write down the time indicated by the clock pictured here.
11:11
